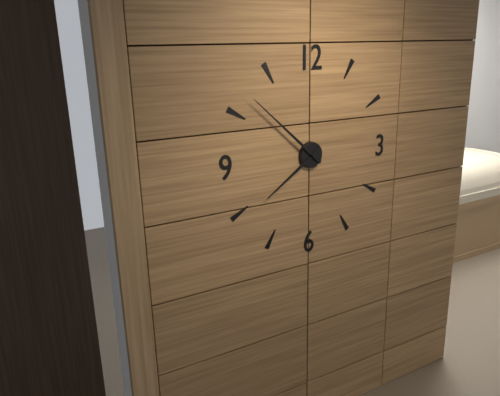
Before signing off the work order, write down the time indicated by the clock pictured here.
7:52
